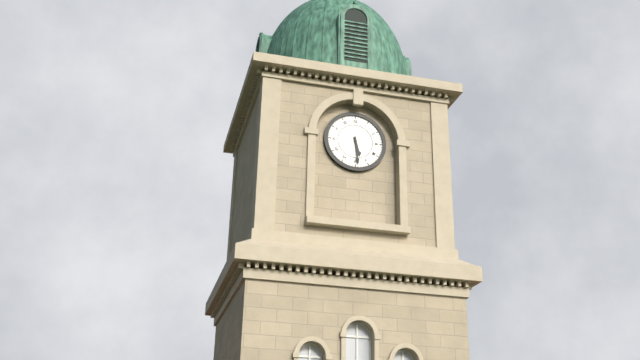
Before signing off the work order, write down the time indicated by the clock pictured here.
5:29
